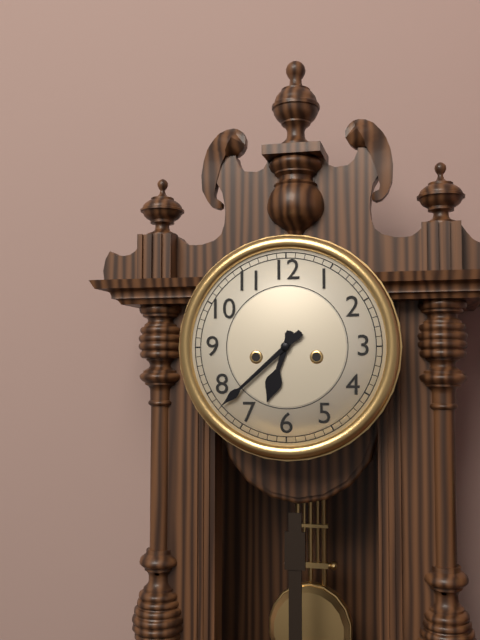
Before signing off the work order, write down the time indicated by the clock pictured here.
6:38
